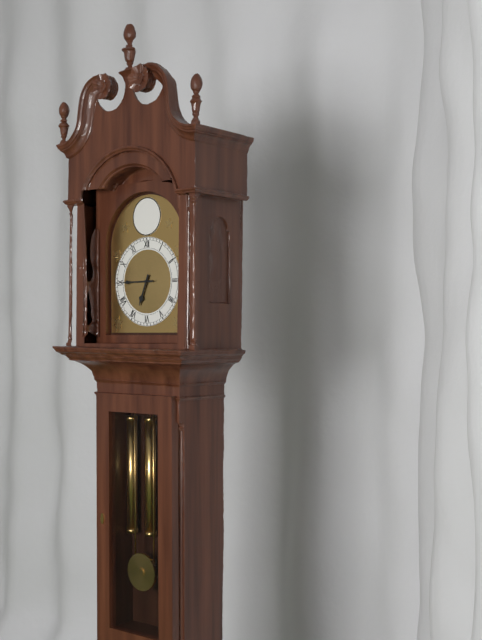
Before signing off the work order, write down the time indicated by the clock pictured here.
6:45
